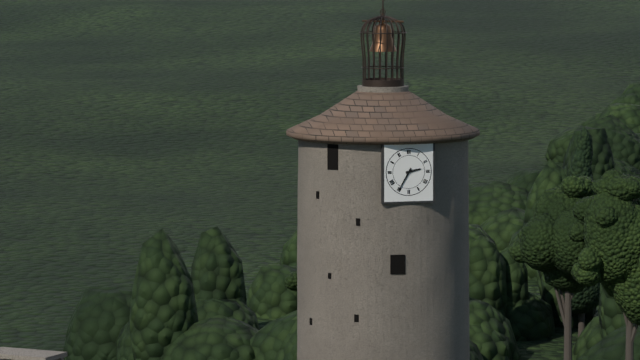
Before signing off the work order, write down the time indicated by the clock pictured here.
2:35
